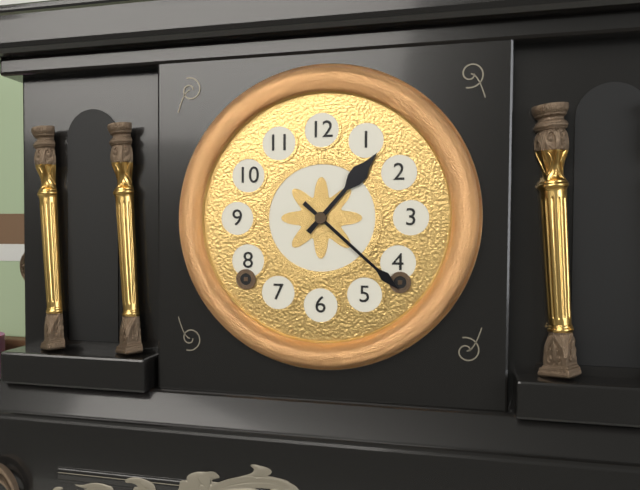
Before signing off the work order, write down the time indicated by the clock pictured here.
1:22
